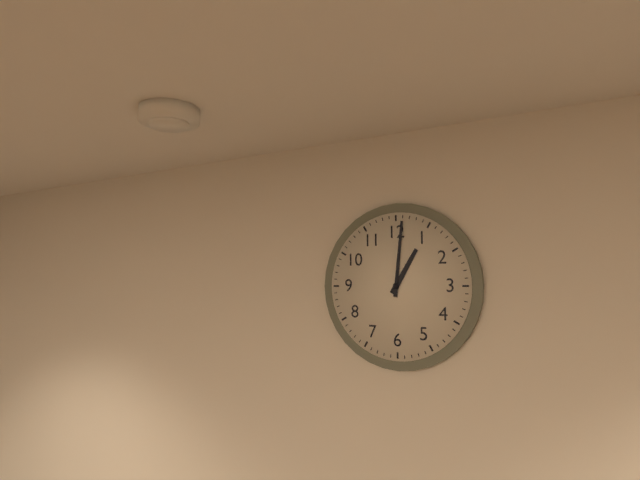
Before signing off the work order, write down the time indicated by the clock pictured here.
1:01
